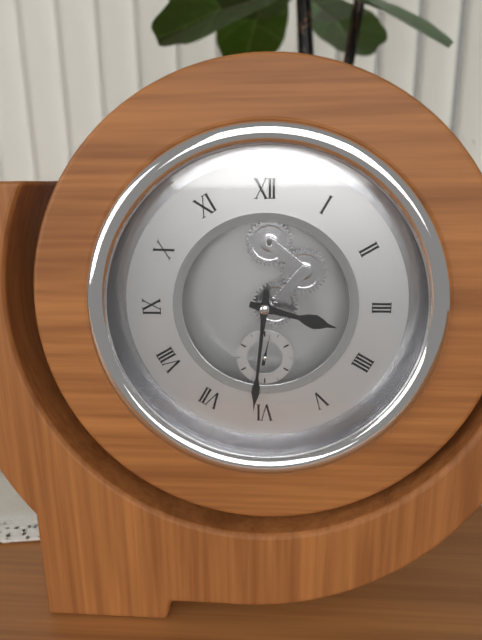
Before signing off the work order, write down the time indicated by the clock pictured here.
3:31
